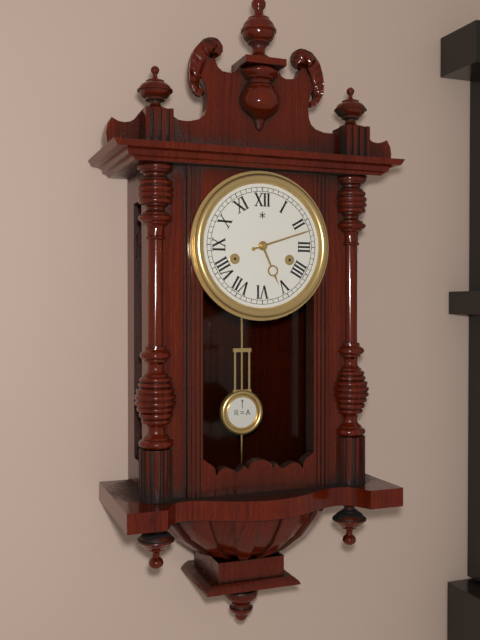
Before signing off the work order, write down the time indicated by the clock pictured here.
5:12
